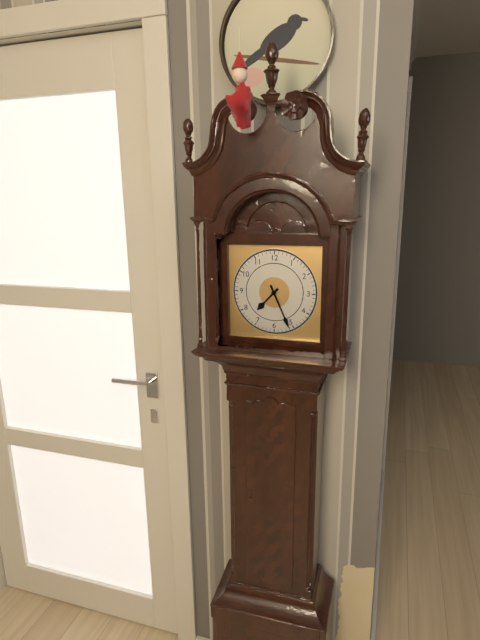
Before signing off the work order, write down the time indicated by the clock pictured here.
7:26
